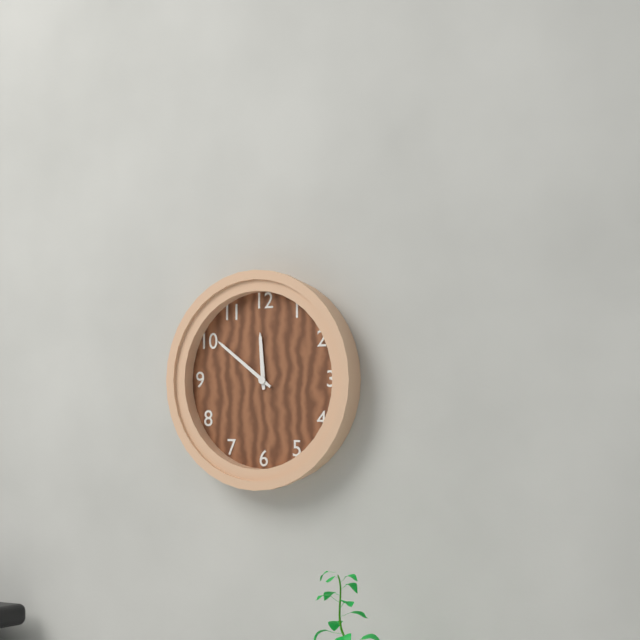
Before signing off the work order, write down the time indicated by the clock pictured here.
11:51
